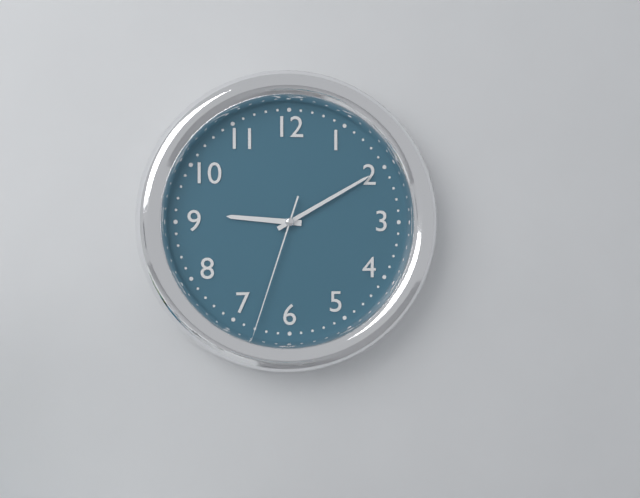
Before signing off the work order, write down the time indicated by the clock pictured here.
9:10:33
